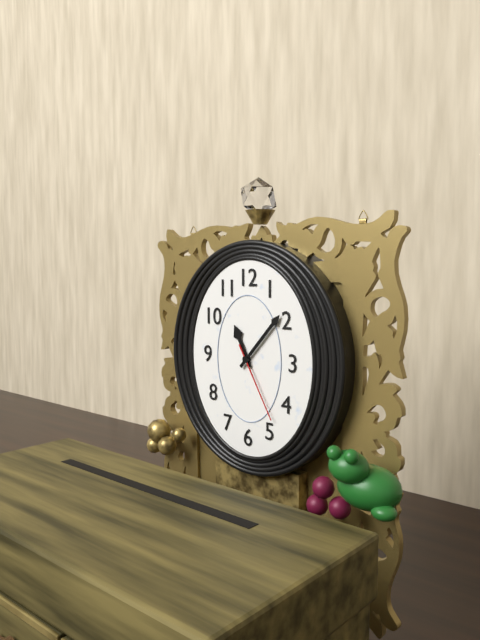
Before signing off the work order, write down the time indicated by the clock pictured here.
11:07:25
